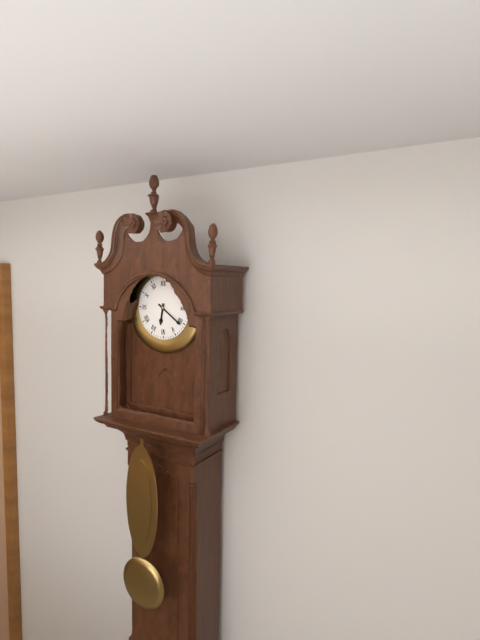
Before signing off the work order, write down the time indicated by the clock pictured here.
6:21
